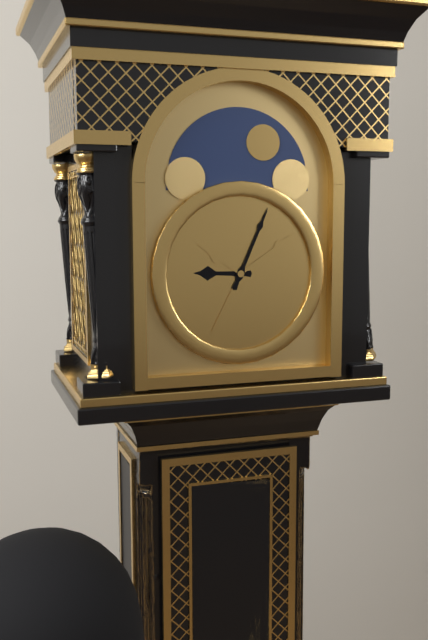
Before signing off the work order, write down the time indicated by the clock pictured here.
9:04
